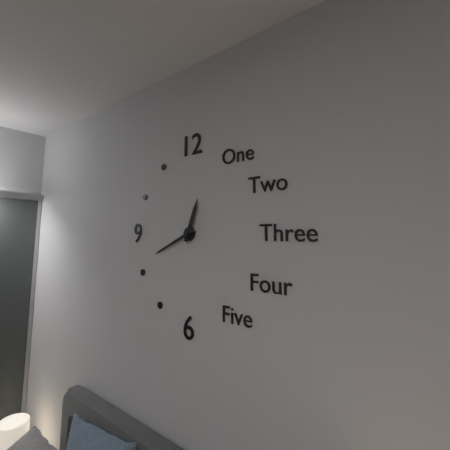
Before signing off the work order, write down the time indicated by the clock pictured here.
12:41
